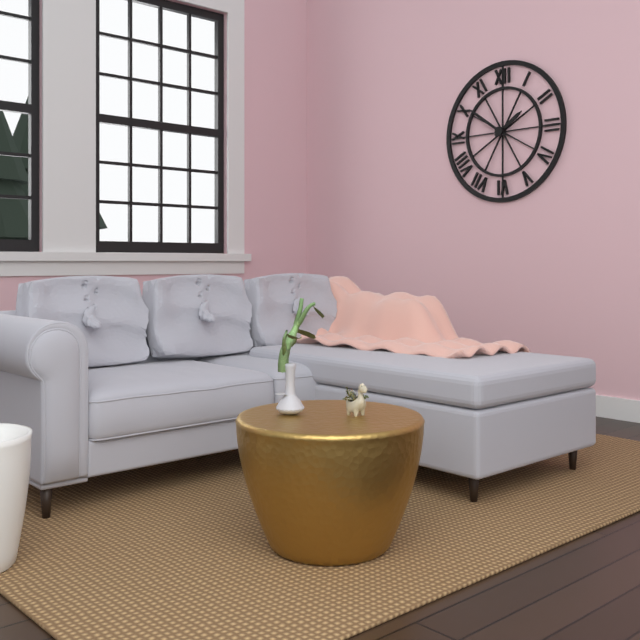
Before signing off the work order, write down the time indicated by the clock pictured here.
1:51
